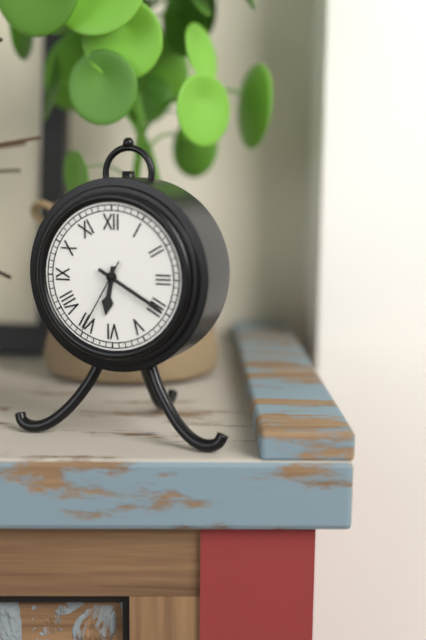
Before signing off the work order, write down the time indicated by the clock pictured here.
6:20:35
